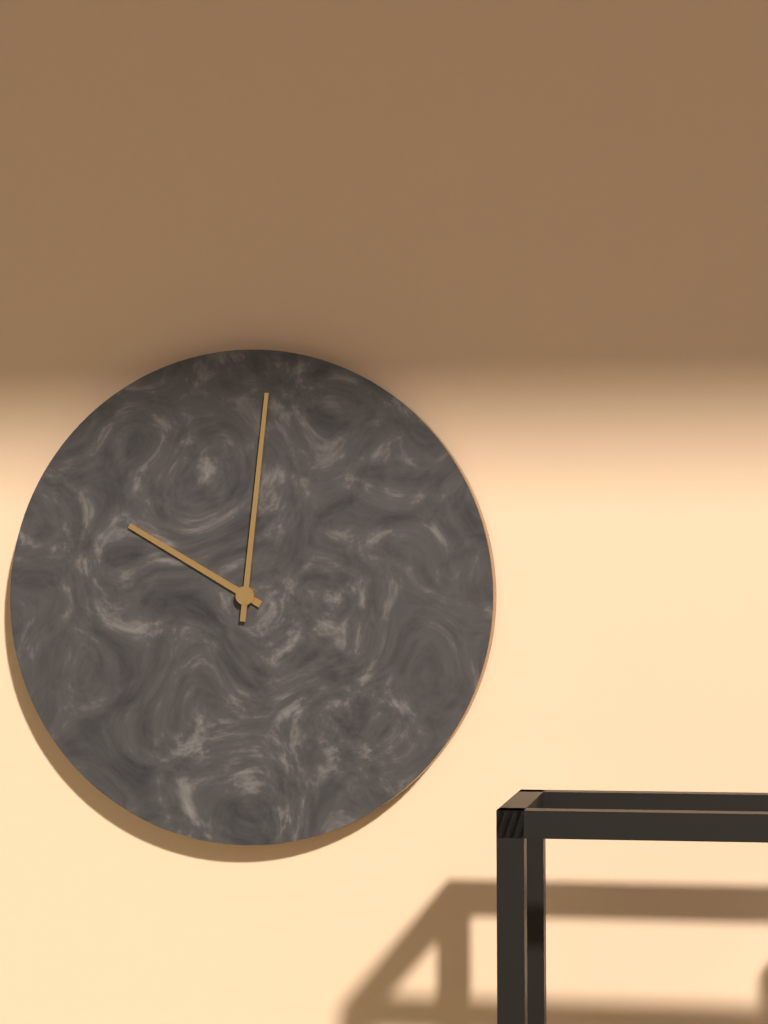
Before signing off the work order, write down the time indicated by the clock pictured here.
10:01
